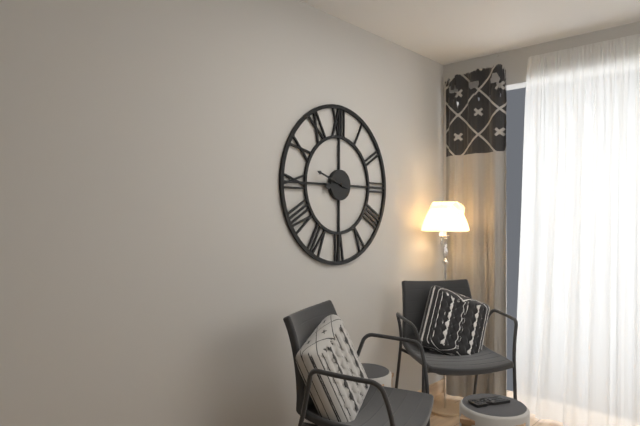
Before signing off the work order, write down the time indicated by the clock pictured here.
8:48
